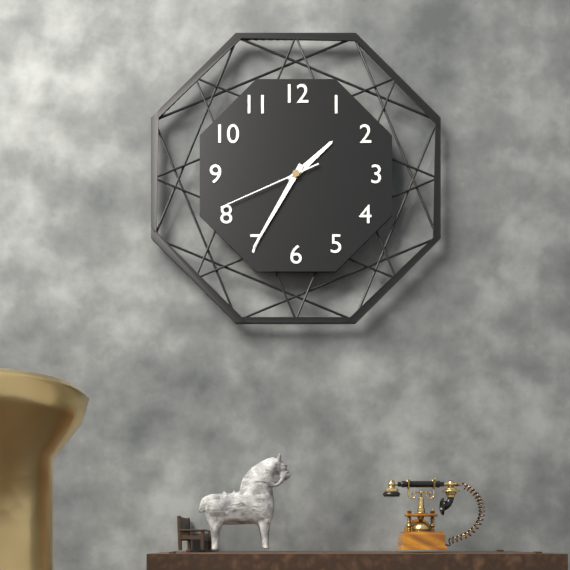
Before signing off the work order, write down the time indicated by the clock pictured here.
1:35:41
